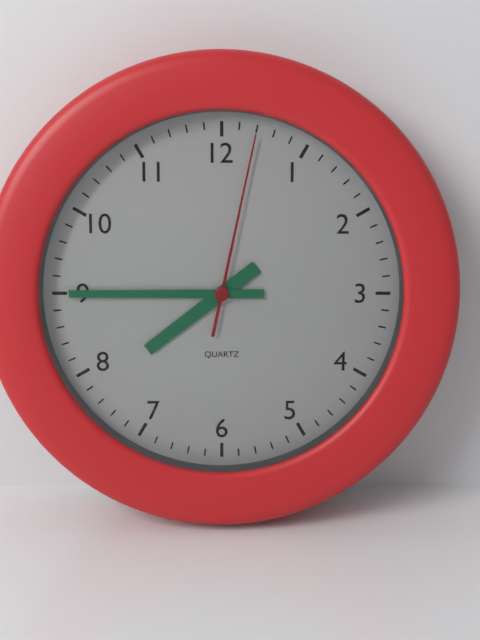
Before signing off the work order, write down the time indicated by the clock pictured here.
7:45:02
